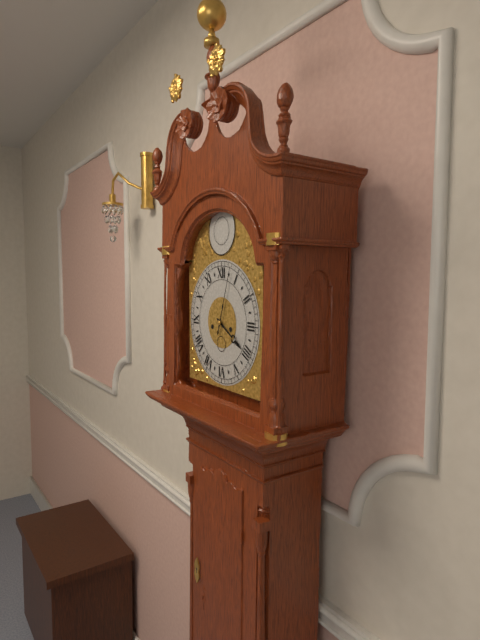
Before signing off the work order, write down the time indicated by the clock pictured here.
4:03
